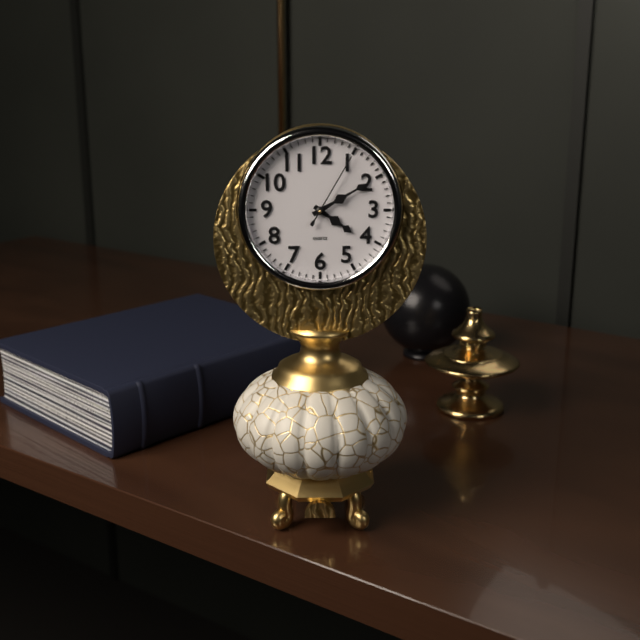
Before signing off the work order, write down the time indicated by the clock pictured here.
4:10:05
